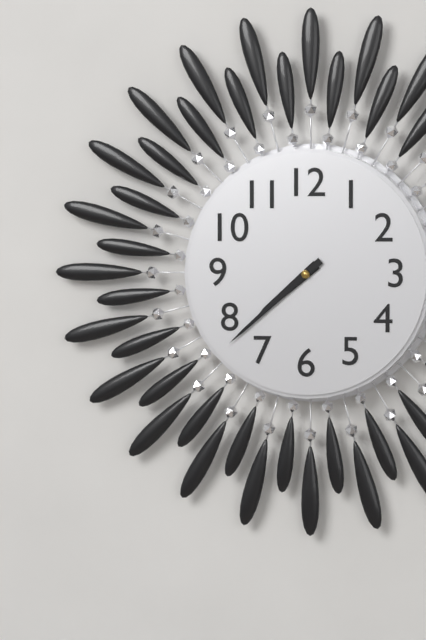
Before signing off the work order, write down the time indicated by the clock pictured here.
7:38
